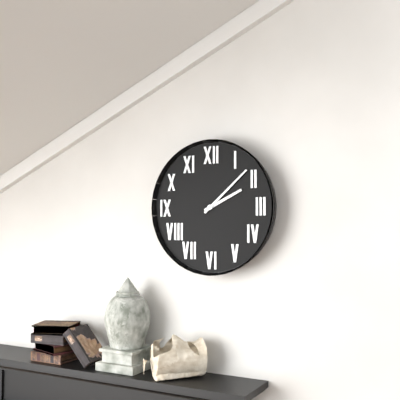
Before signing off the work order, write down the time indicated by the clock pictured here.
2:08
